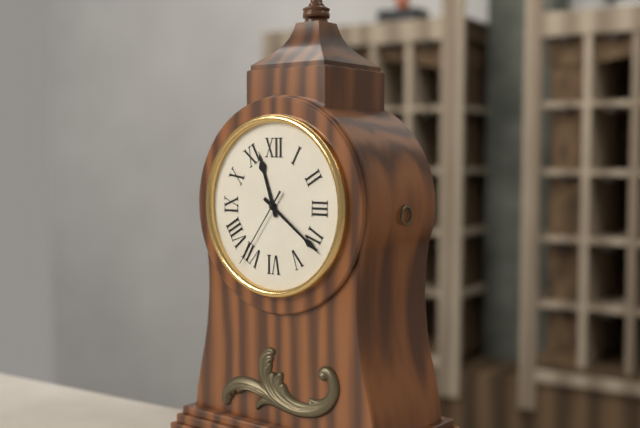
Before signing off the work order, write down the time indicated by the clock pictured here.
11:21:36
